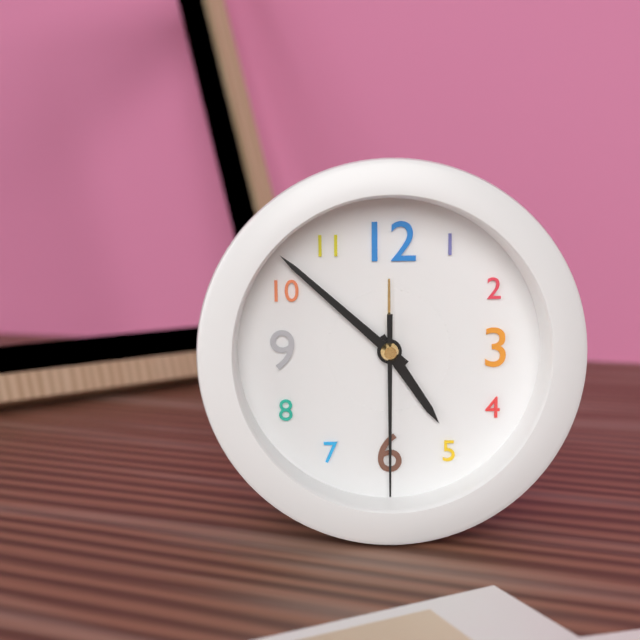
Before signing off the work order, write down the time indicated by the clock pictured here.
4:52:30
